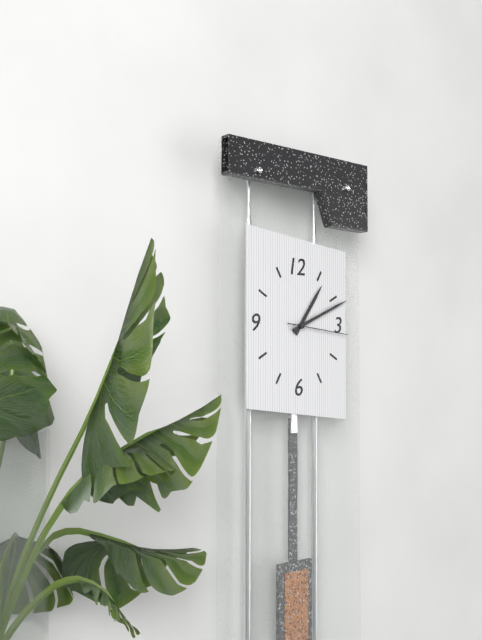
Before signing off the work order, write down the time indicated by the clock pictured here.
1:11:16
